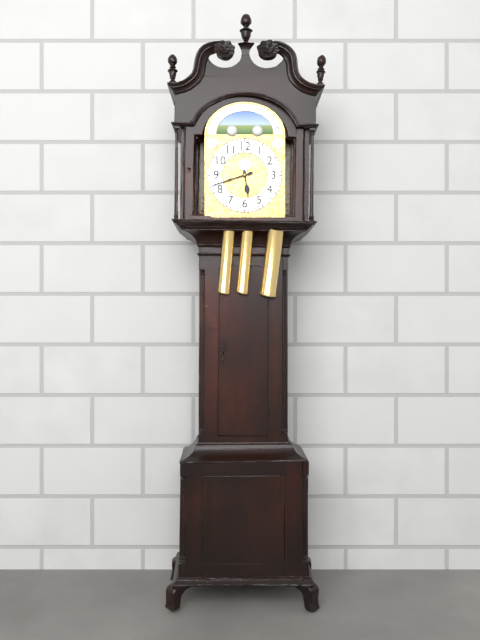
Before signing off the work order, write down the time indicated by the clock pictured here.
5:42
